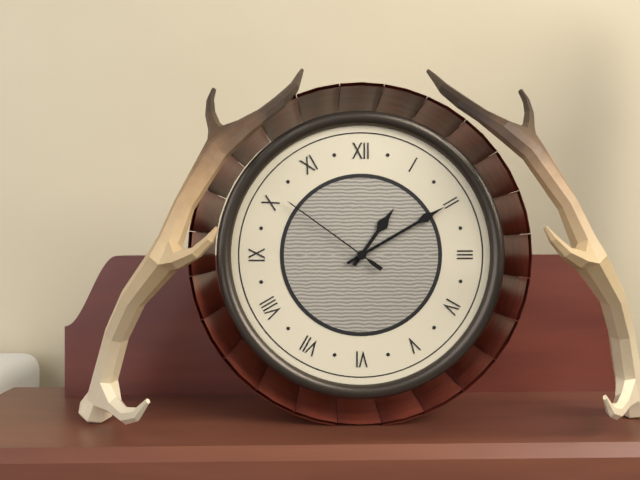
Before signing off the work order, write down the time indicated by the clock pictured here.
1:10:51
